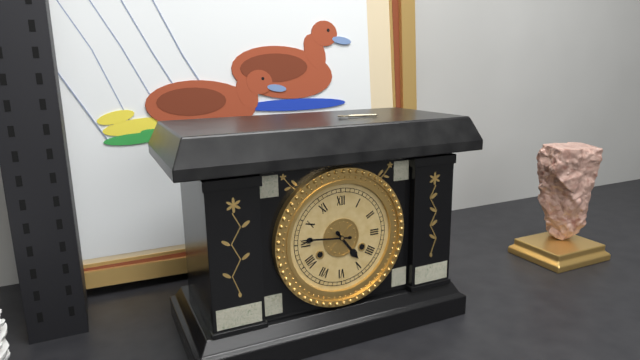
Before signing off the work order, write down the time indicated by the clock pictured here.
4:46
